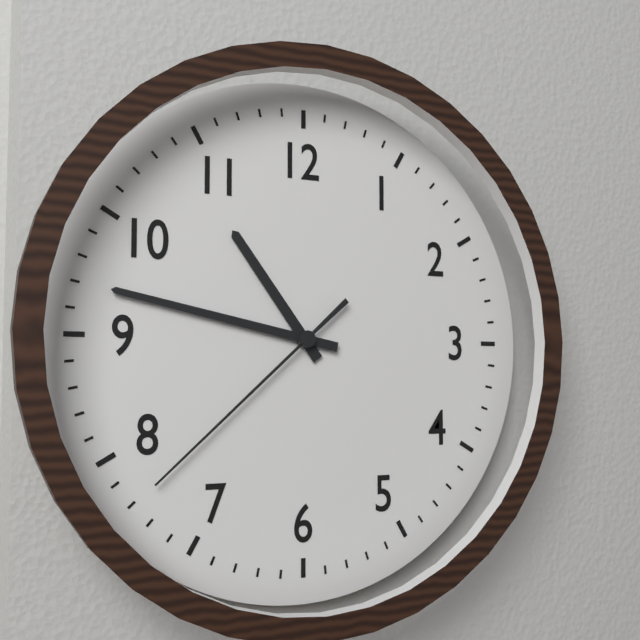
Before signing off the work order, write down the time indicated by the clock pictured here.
10:47:38
